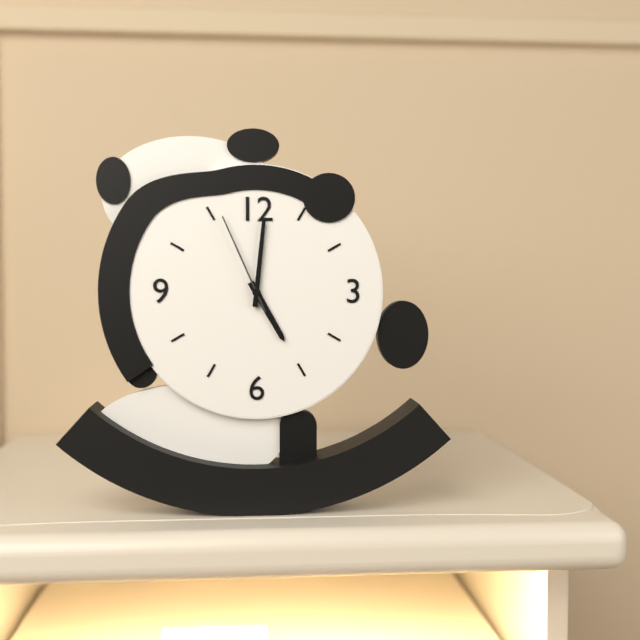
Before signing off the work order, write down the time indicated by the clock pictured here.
5:01:56
